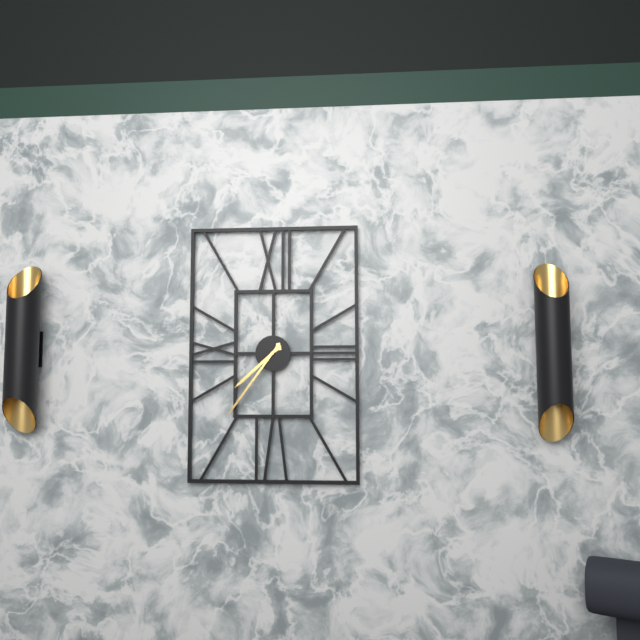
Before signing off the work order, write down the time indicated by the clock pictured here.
7:36
